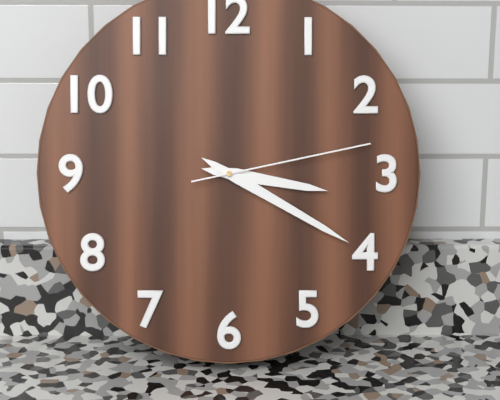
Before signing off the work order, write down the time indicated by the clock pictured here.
3:20:13
